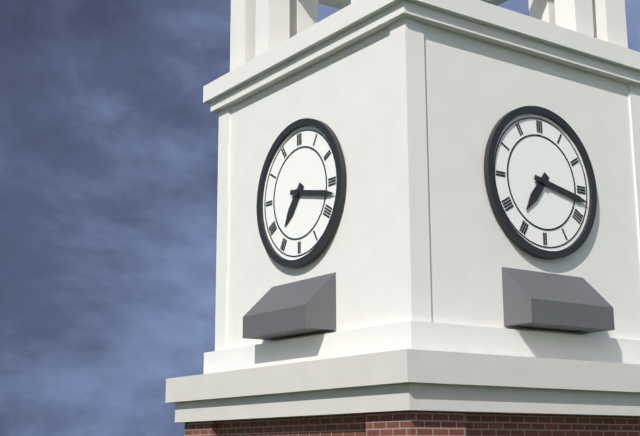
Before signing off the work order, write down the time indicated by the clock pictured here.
7:17
